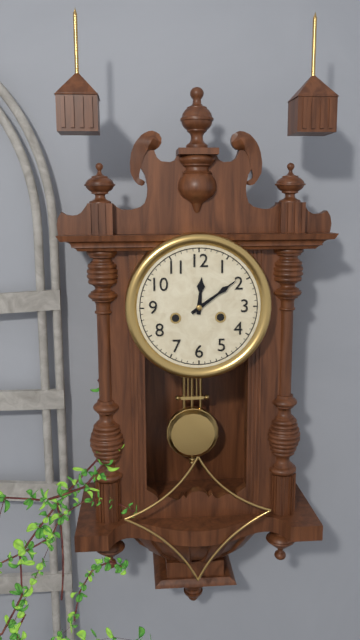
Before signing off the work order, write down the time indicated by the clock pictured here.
12:09
